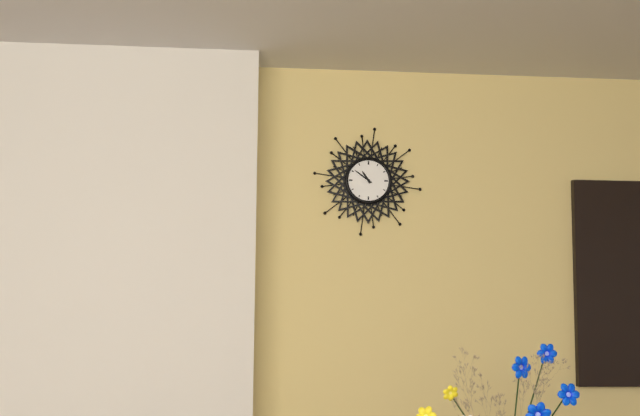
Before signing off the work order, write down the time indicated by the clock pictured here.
10:51
